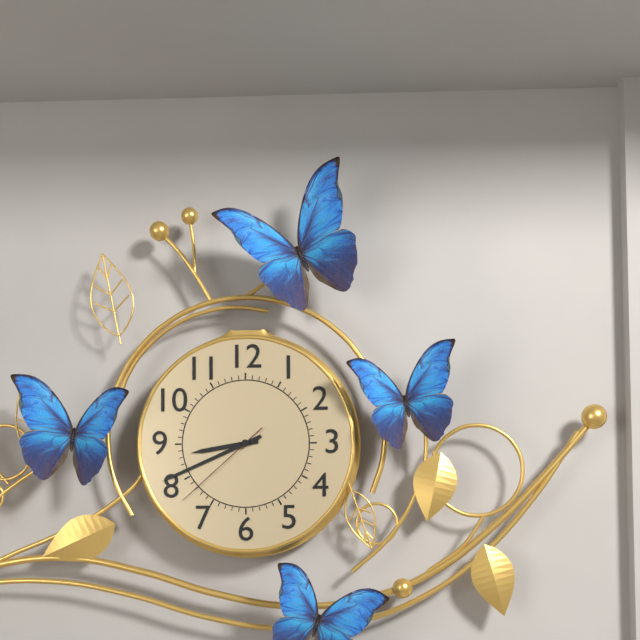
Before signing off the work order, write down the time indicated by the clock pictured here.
8:41:38
